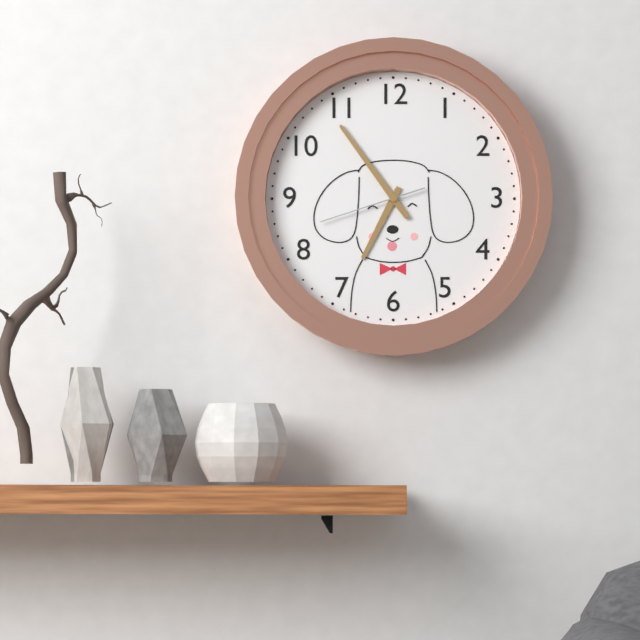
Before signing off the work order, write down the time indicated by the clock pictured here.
6:54:42
